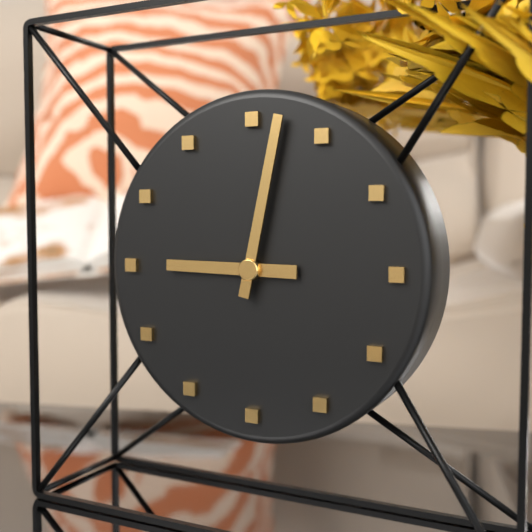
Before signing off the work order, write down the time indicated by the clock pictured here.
9:02
